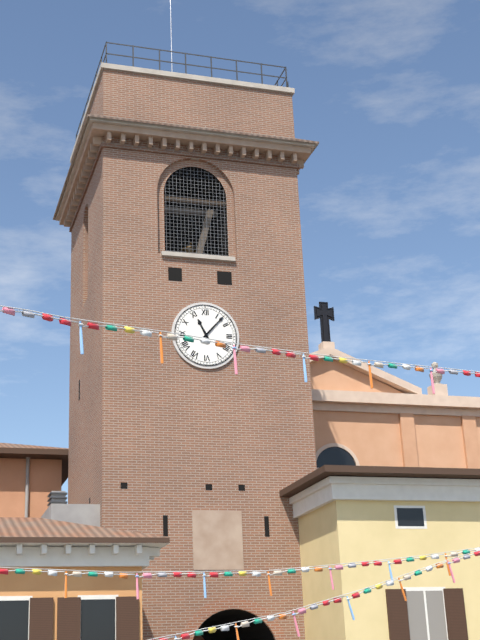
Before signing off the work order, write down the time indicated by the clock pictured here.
11:07
